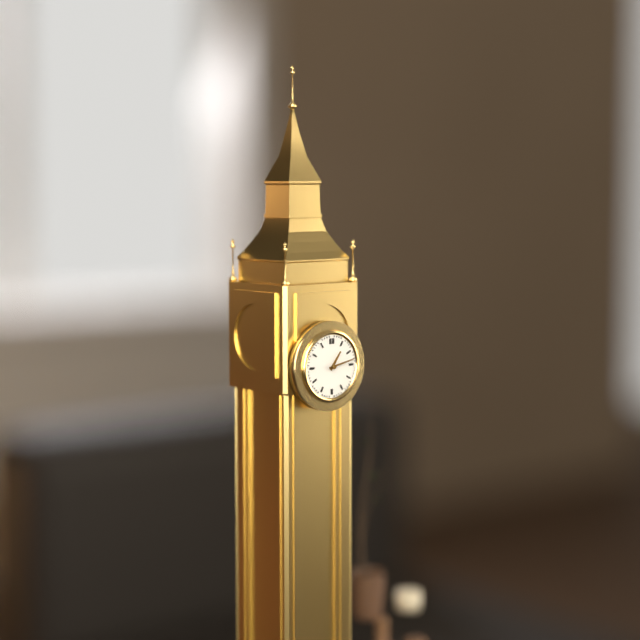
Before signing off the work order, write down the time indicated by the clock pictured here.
1:13
